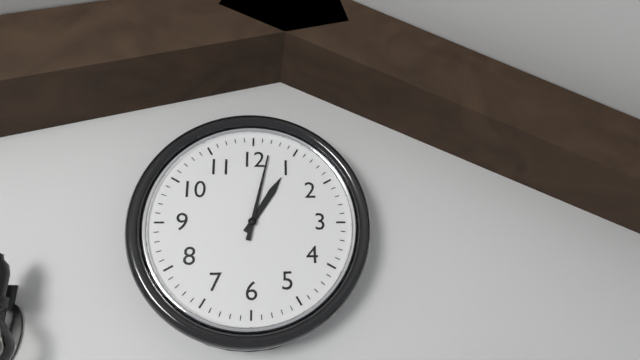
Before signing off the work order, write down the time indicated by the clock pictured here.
1:02
